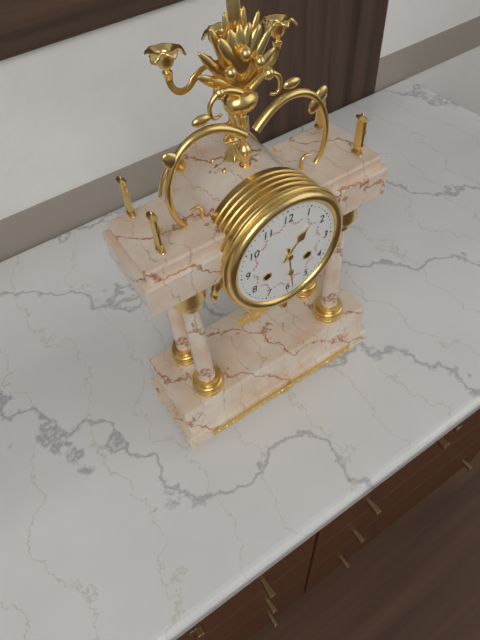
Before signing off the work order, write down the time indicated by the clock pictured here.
1:29
